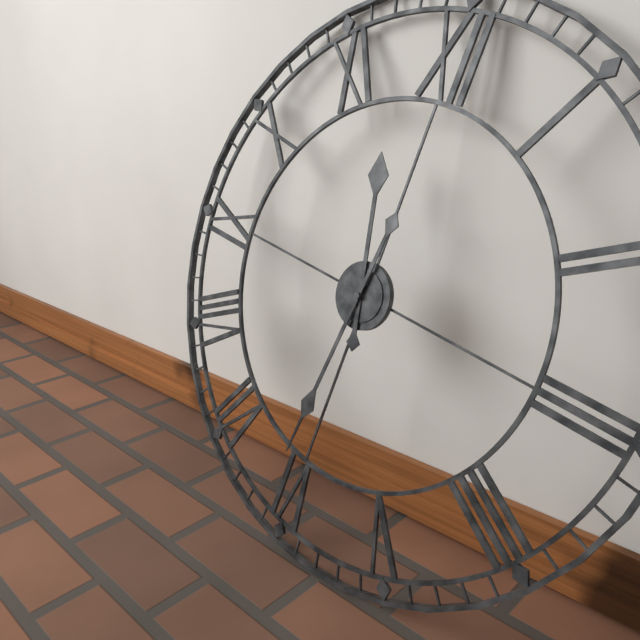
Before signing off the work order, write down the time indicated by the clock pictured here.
11:31
